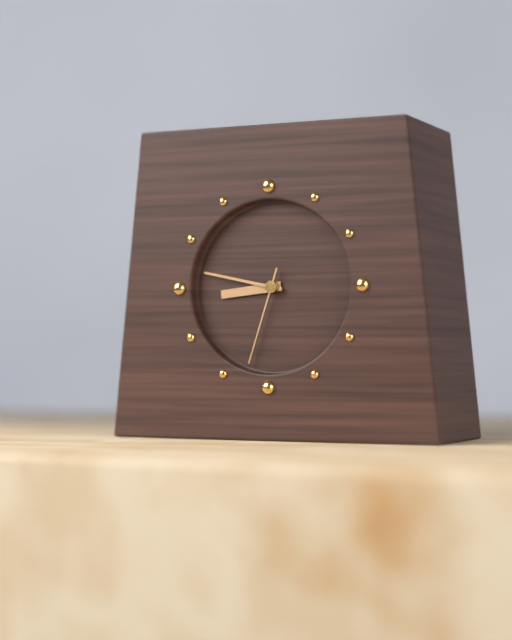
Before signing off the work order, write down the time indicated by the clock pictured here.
8:47:33
